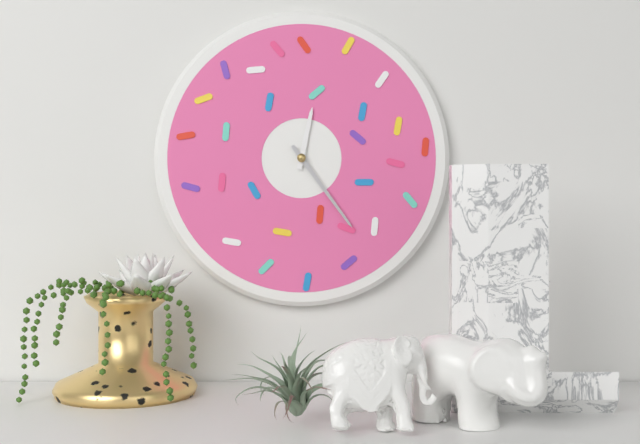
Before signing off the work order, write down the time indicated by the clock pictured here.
12:24
